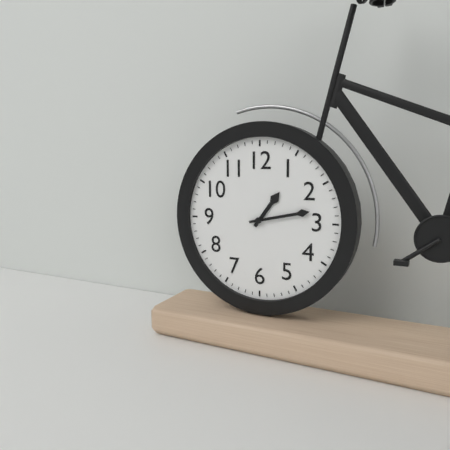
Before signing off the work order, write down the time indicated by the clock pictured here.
1:13
